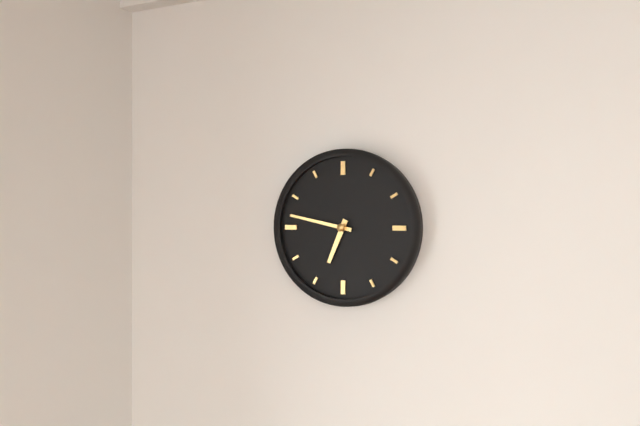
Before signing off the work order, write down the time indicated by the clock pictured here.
6:47
